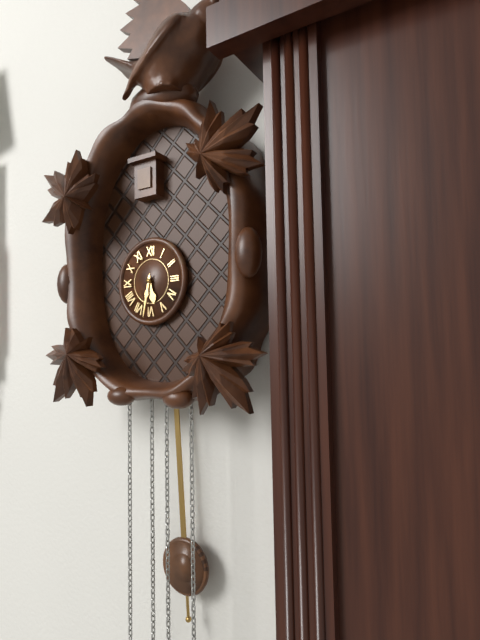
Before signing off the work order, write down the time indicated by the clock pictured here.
5:32
